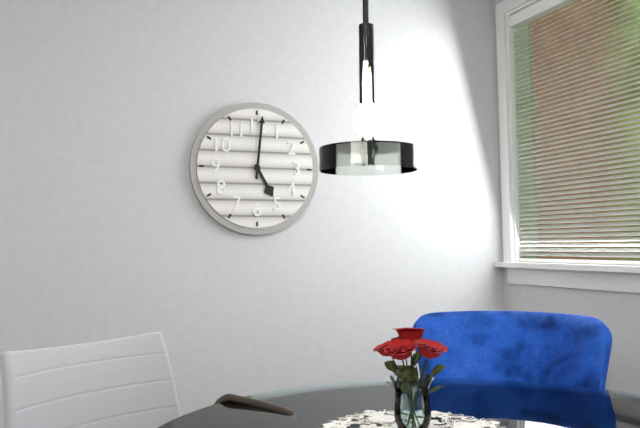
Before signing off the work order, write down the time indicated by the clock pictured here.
5:01
